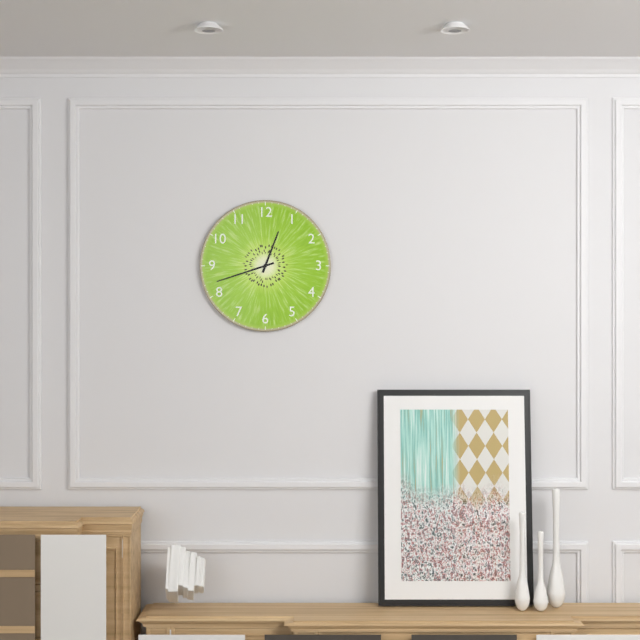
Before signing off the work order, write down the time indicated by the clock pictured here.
12:42
